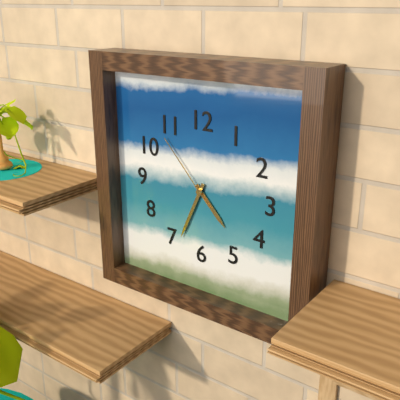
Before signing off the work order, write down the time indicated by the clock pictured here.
4:34:53
